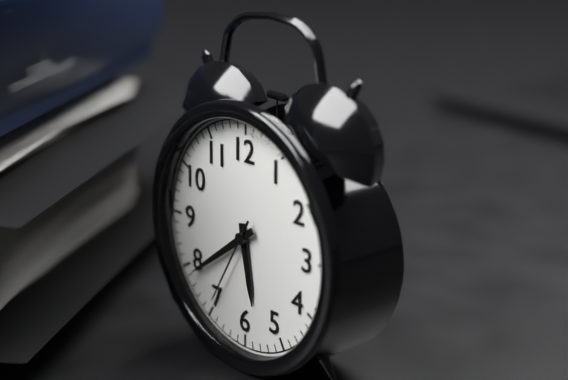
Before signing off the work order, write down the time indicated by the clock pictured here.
5:39:35
